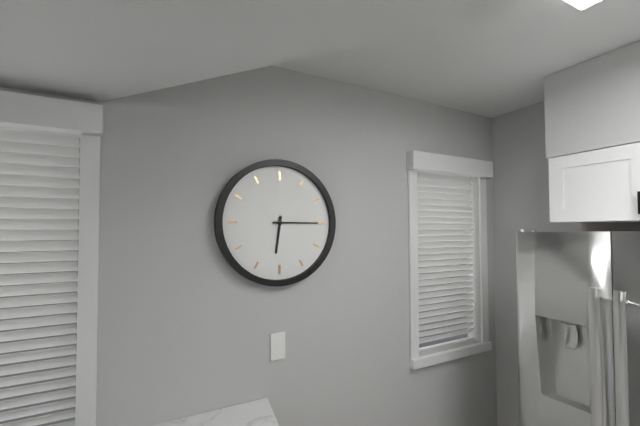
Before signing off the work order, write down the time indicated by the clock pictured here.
6:15
